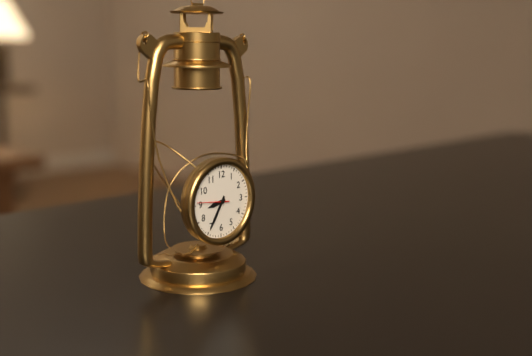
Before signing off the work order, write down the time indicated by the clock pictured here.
8:35
